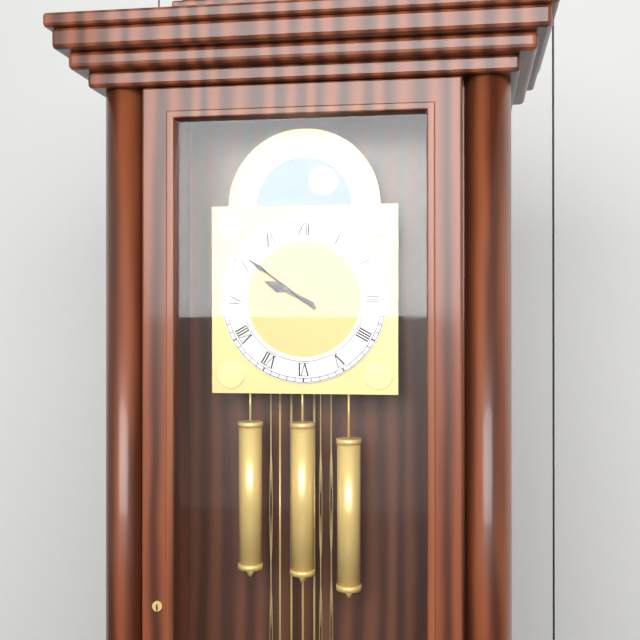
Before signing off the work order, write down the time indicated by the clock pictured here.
9:51
